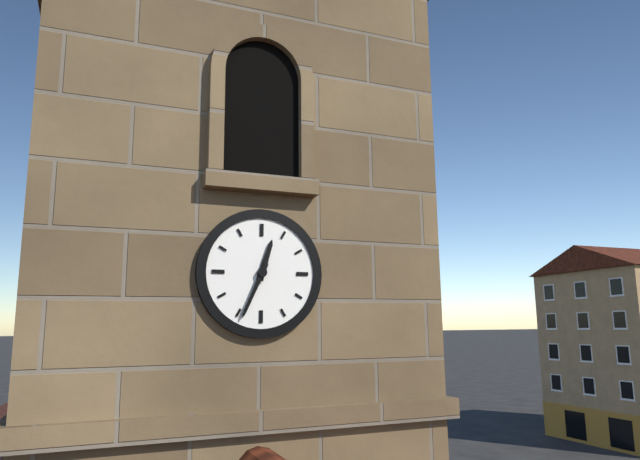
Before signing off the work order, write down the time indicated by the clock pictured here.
12:34
